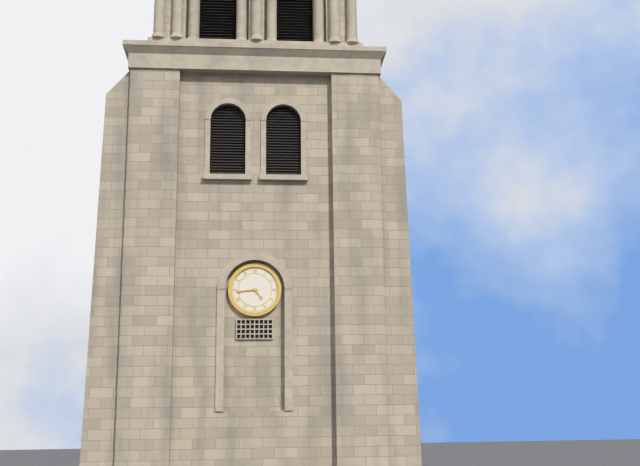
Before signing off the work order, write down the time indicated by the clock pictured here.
4:44
